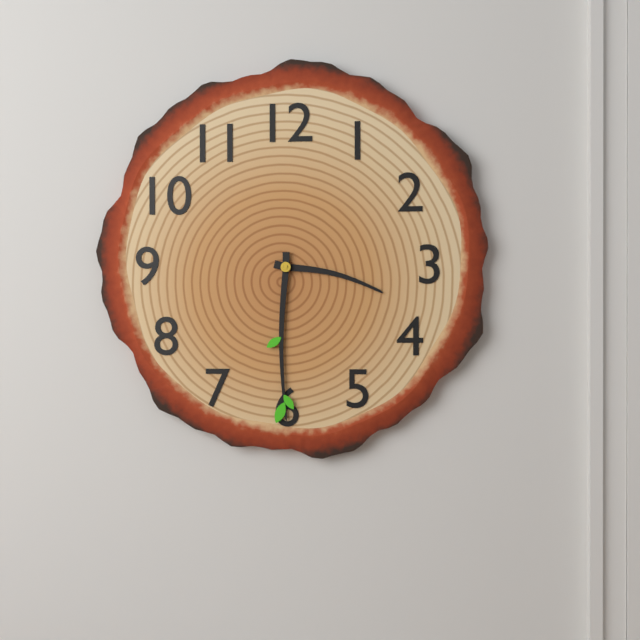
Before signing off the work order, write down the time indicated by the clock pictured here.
3:30
